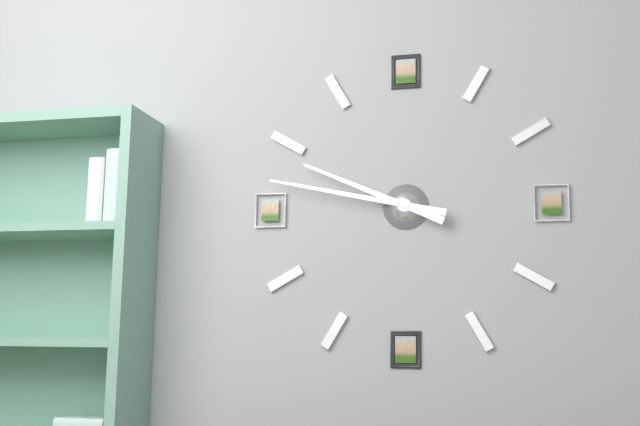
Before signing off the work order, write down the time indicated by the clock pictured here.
9:47
